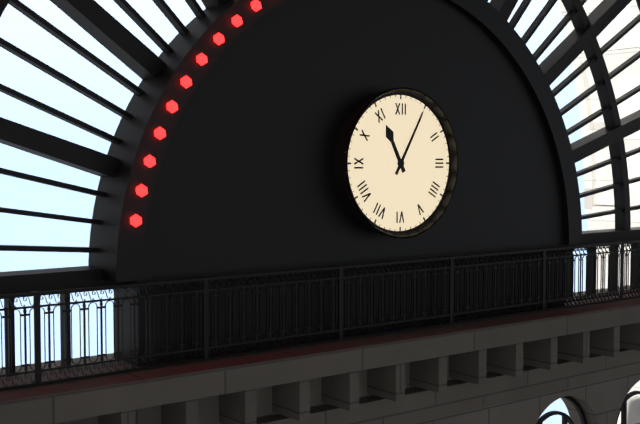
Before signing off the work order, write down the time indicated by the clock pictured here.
11:05
